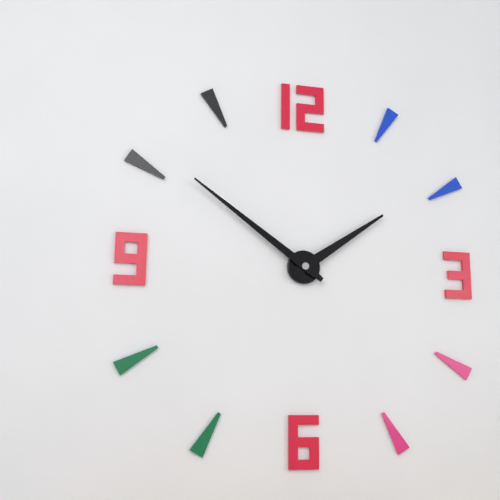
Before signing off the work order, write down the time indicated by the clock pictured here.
1:51
